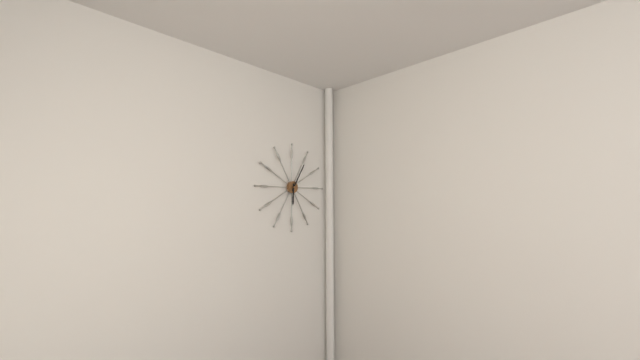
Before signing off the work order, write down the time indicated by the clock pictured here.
6:05
